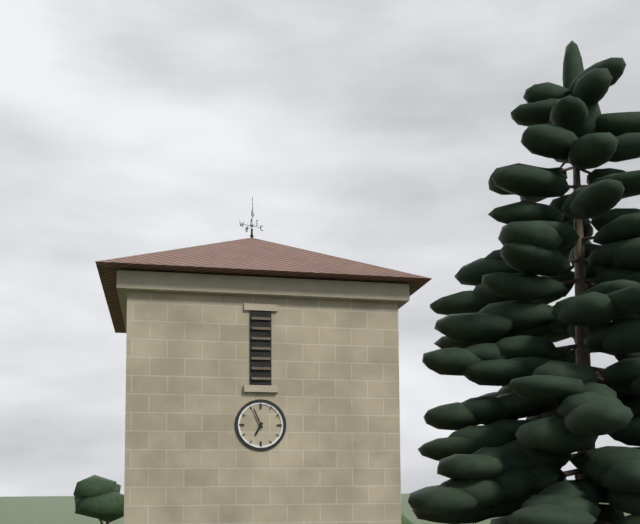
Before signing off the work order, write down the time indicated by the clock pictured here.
6:56
